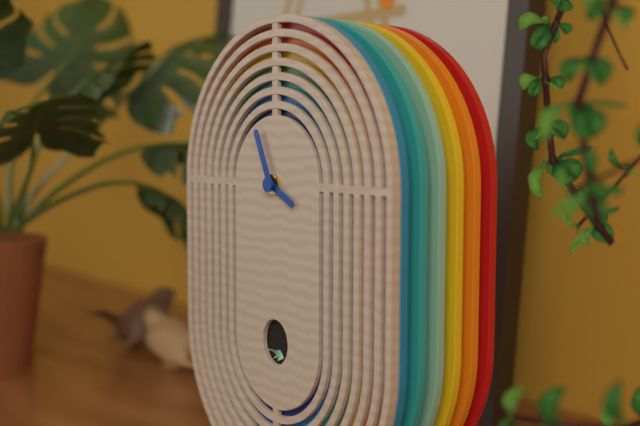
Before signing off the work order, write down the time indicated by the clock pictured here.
3:56
